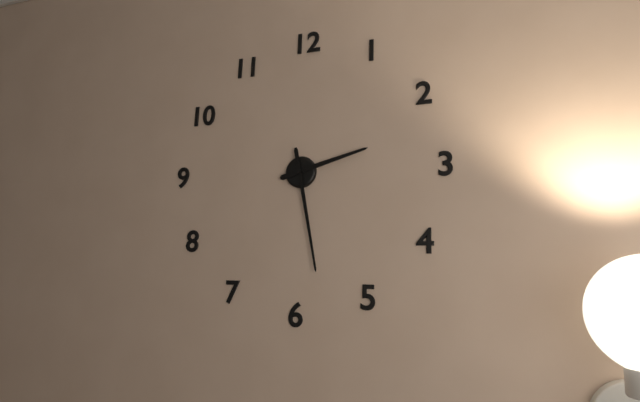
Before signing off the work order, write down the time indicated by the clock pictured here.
2:28
